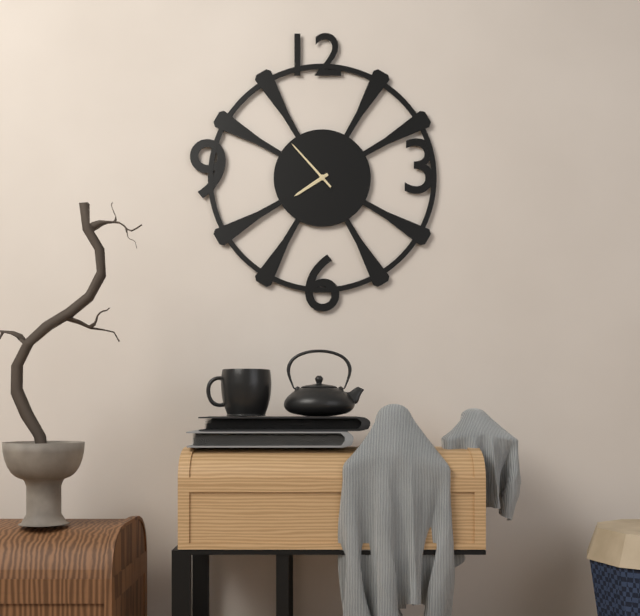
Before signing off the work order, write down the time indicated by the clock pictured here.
7:53
